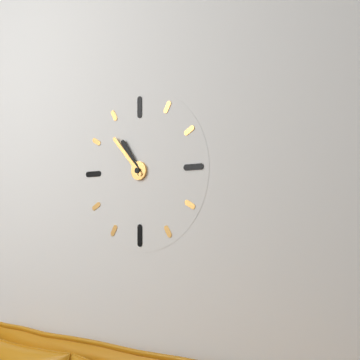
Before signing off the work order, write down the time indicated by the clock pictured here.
10:53
